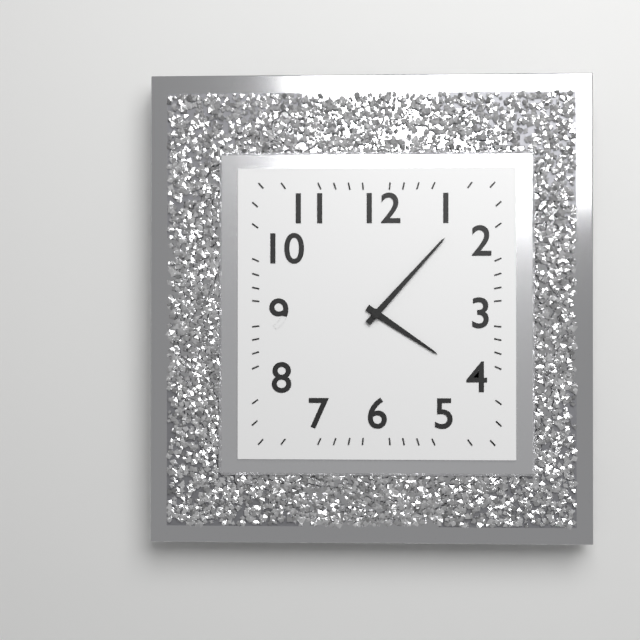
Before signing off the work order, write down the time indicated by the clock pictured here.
4:07
